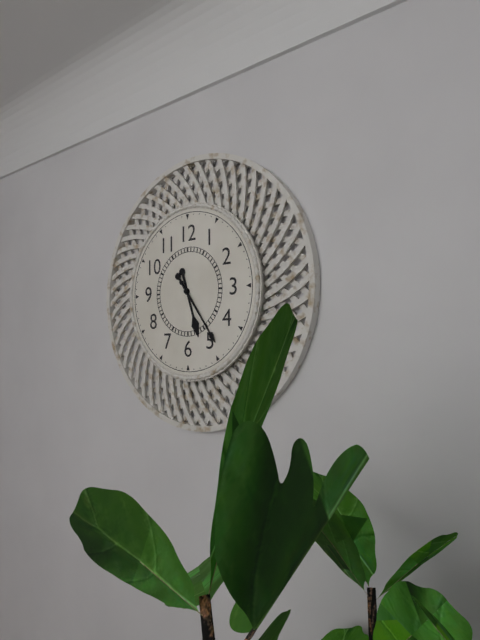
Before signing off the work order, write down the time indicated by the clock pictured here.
5:24
